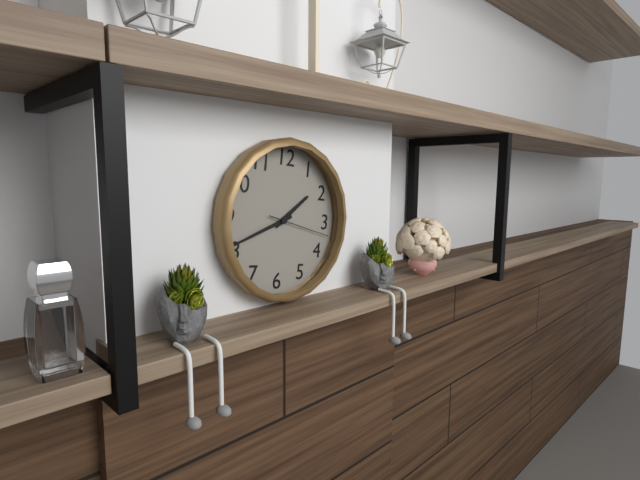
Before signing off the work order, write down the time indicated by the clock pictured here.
1:41:17
